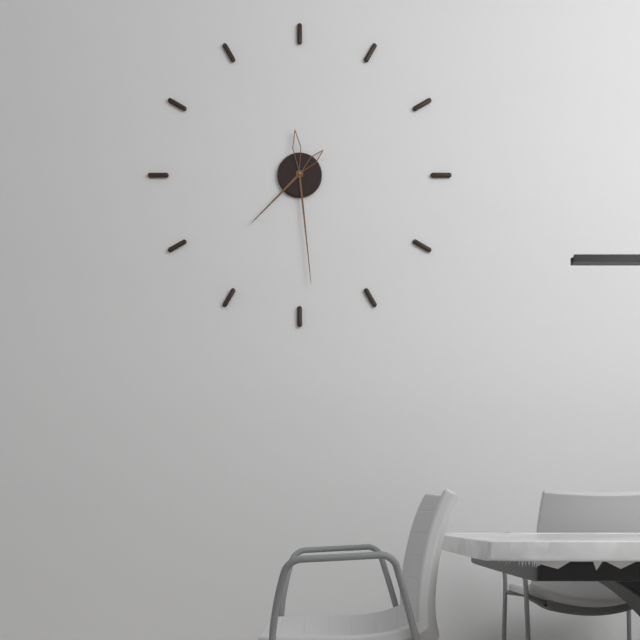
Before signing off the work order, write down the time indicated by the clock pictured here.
7:29
